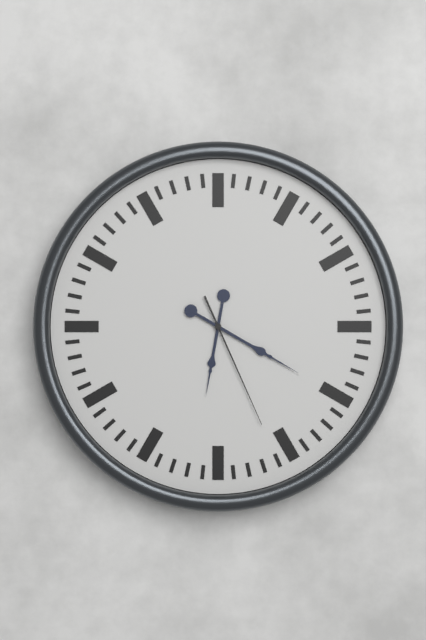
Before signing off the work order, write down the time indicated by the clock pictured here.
6:20:26
